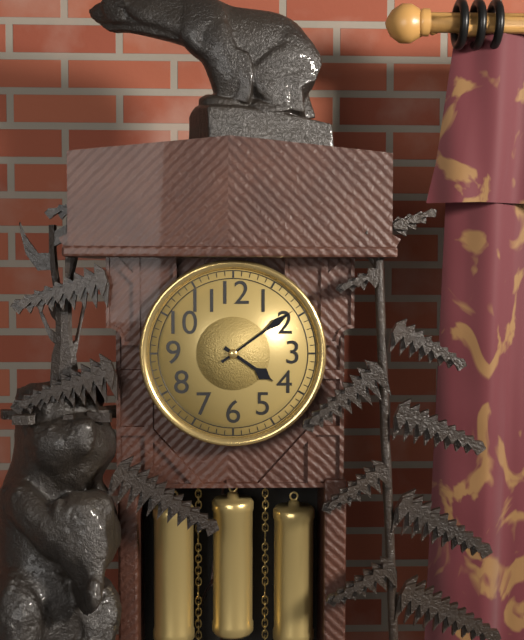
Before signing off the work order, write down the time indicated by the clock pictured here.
4:09
